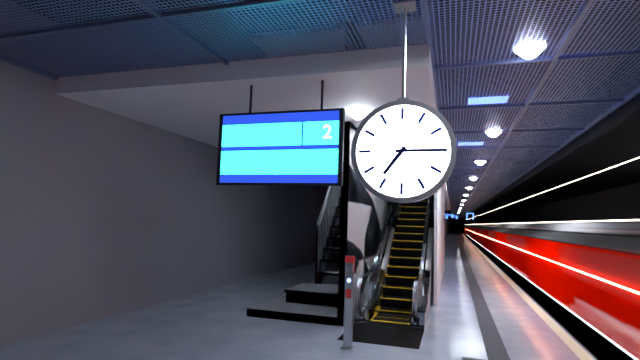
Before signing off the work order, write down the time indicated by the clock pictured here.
7:15
